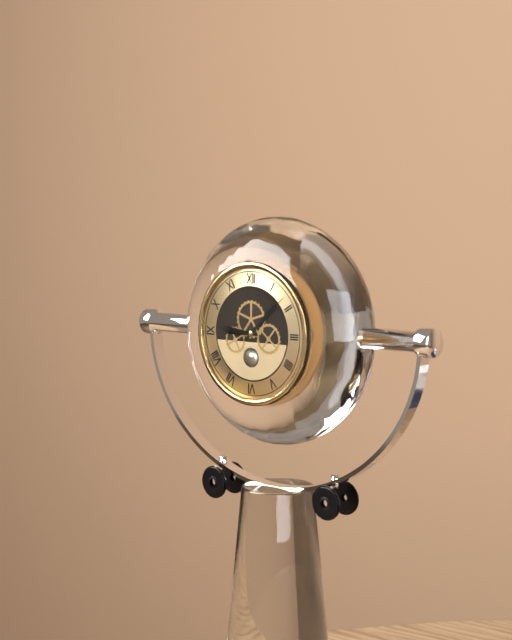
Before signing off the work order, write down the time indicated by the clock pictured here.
9:08
